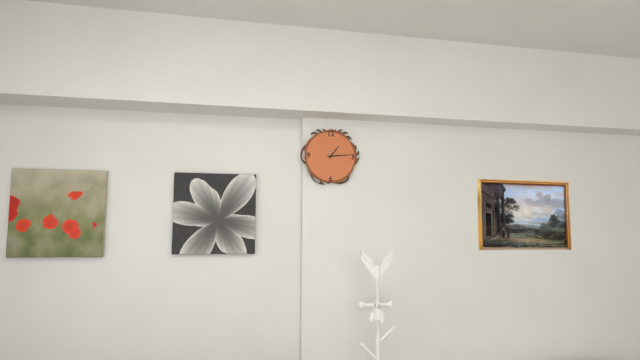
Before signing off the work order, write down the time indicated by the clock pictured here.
1:14
